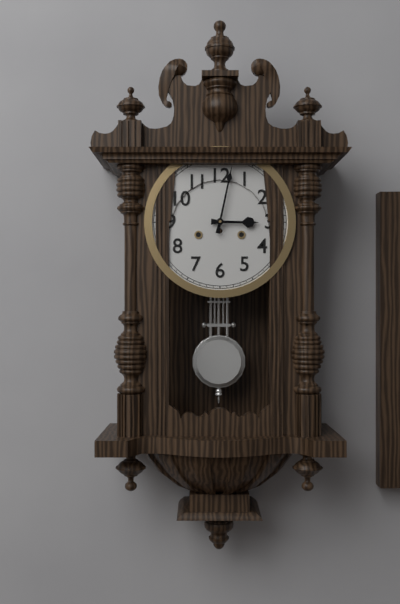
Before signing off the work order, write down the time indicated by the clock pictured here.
3:02
